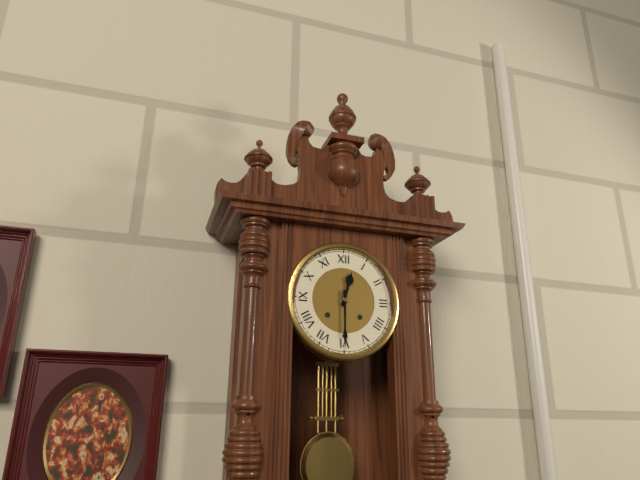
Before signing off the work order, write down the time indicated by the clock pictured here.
12:30
